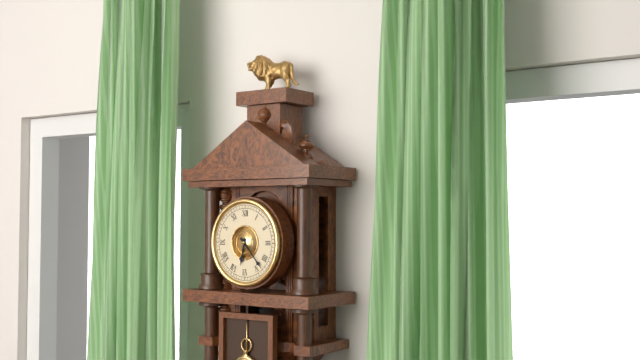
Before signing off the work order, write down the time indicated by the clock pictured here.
6:23
